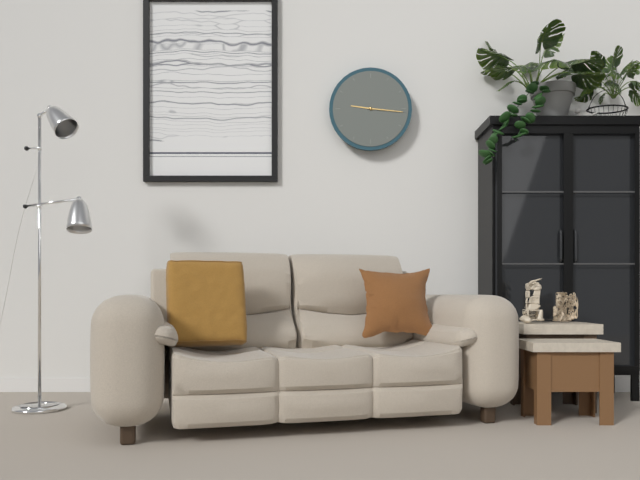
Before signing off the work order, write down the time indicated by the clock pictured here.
9:16
